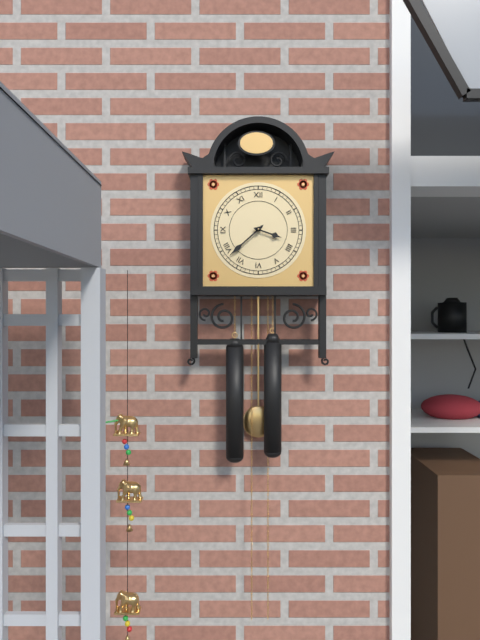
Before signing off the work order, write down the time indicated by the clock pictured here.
3:38
